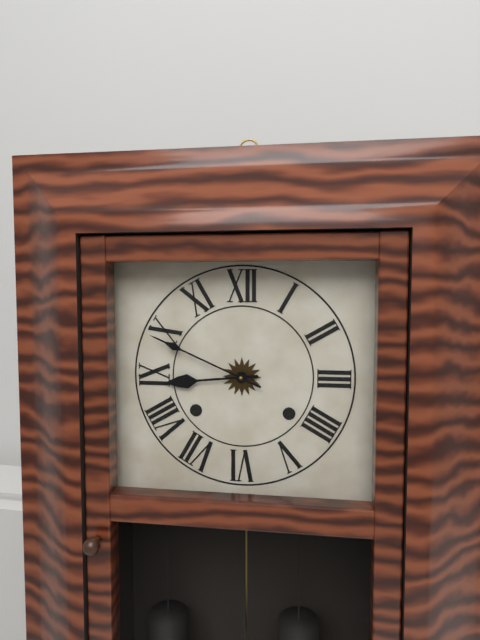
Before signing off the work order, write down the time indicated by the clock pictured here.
8:49
